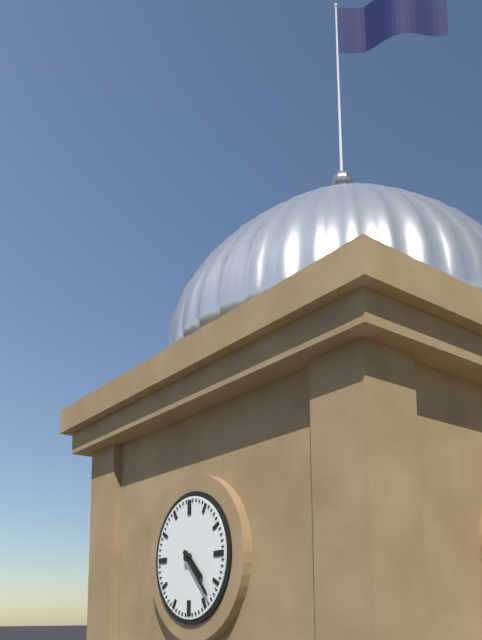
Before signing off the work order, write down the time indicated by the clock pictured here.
4:23
